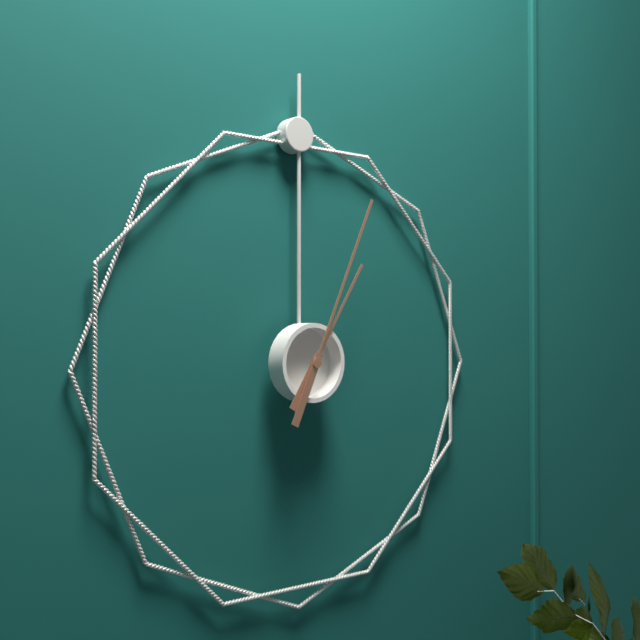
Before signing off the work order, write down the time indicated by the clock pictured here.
1:04
